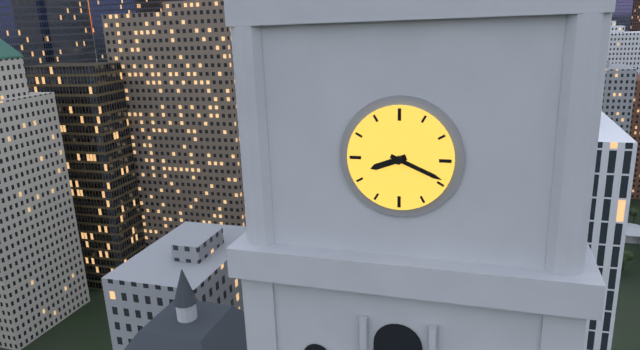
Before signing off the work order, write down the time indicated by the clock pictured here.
8:19
